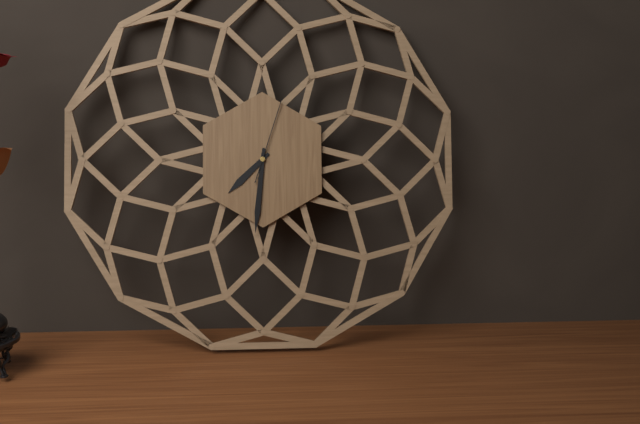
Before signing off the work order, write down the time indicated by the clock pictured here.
7:31:03
